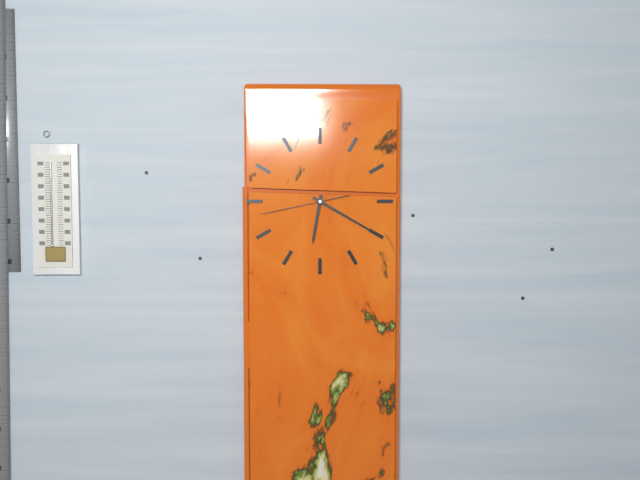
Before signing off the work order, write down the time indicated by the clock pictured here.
6:20:43
